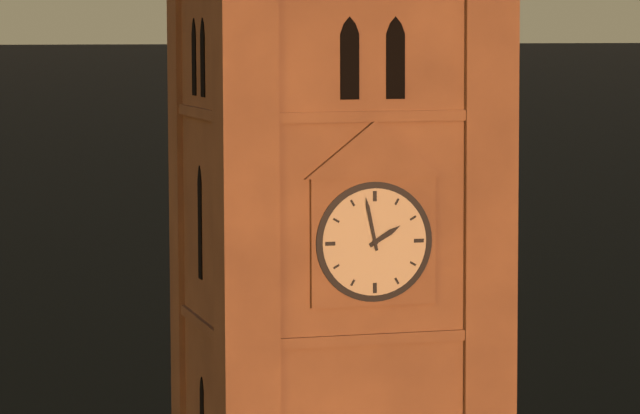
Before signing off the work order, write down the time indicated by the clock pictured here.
1:58
